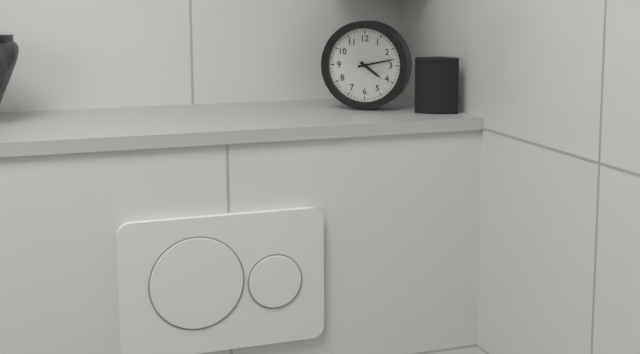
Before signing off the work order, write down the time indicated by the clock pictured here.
4:13
